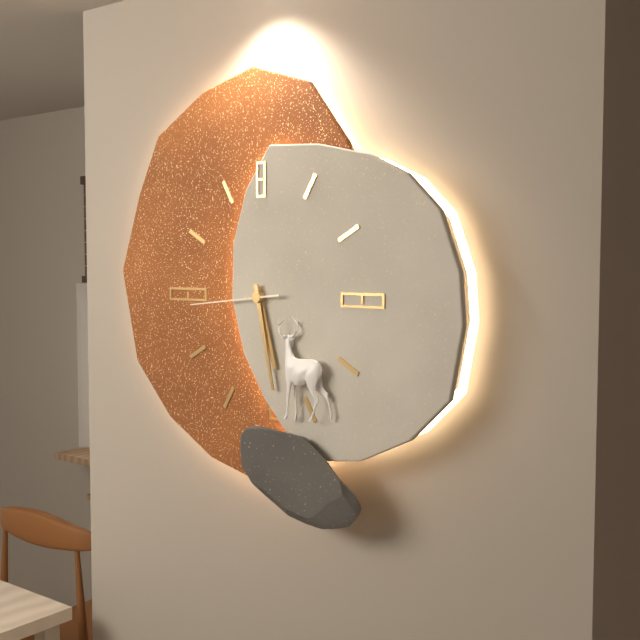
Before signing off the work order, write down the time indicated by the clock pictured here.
5:28:44
